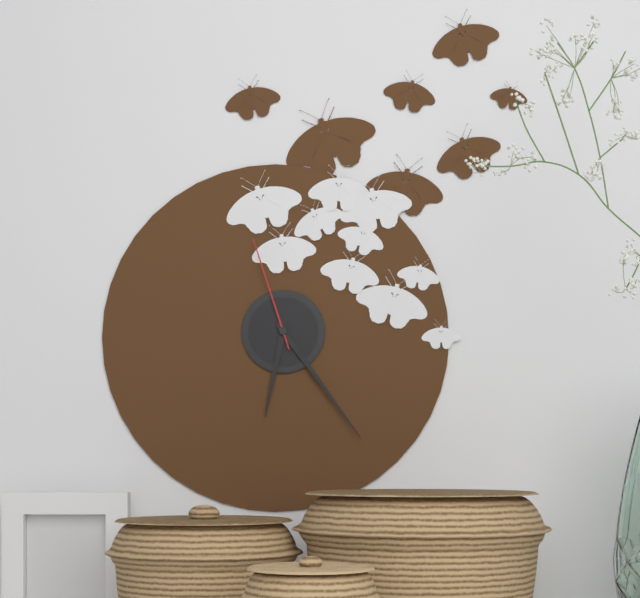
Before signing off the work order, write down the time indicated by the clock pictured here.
6:24:57
